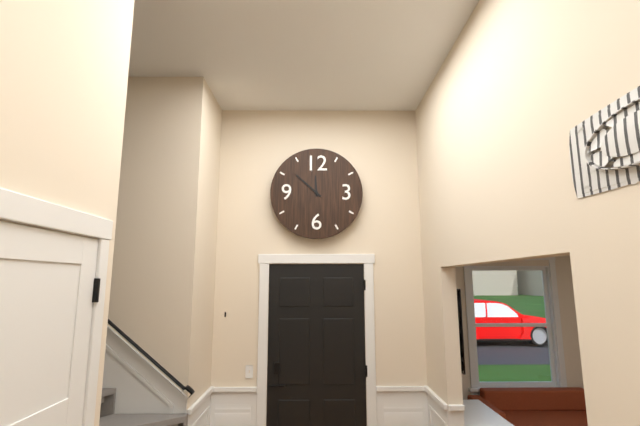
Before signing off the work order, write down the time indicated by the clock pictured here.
11:52
